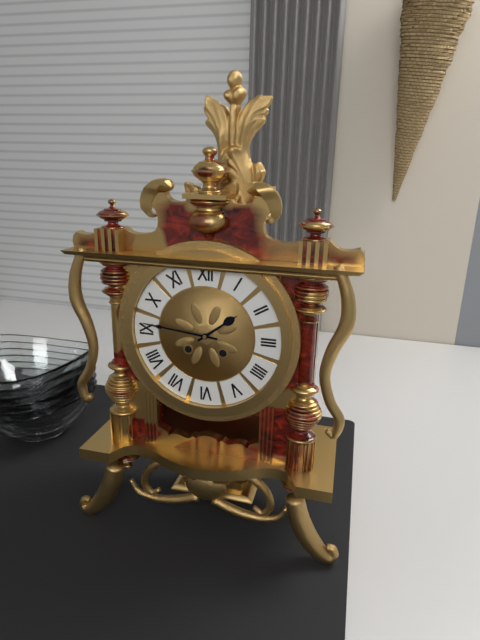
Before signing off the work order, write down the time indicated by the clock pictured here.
1:46
